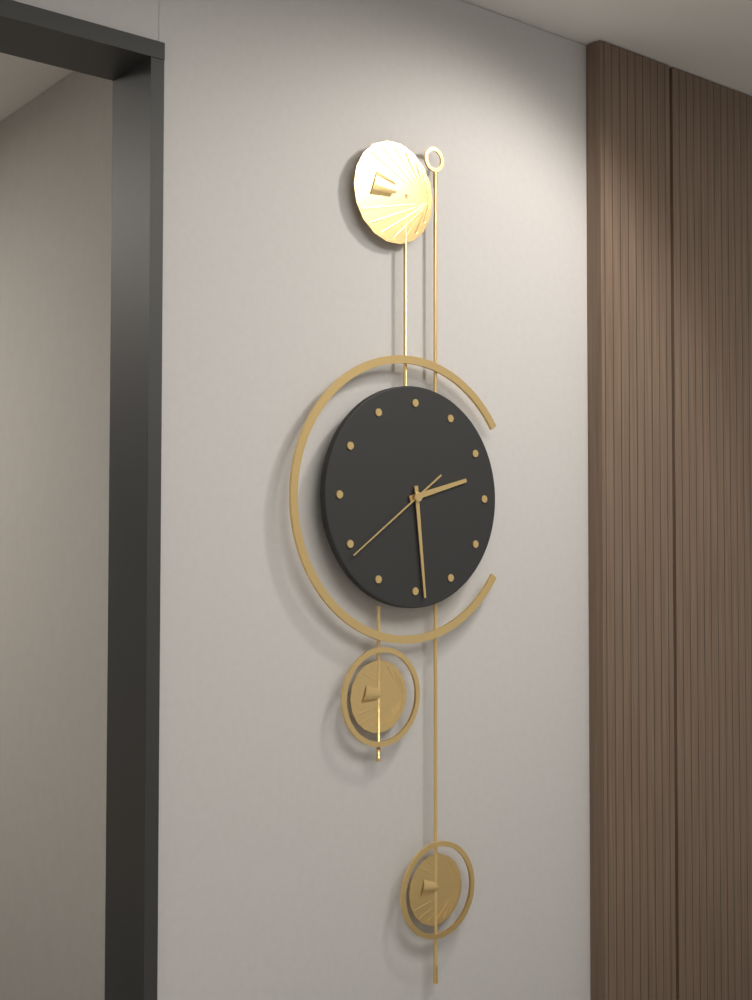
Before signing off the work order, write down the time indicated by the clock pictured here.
2:29:39
